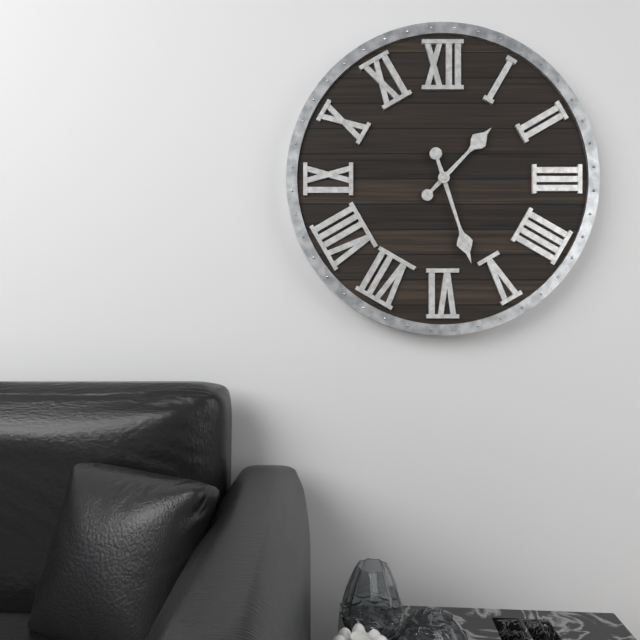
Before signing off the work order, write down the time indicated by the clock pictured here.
1:27
